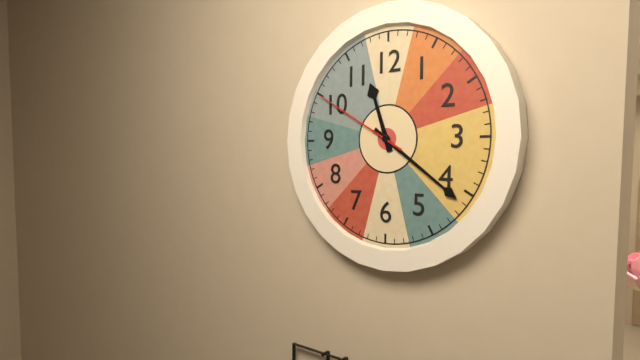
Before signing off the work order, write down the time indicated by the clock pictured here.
11:21:50
